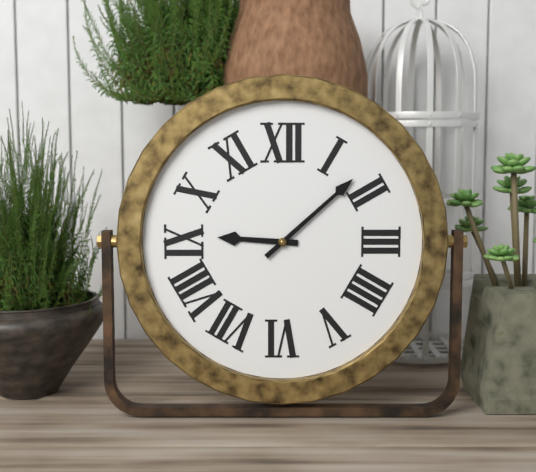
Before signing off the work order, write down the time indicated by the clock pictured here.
9:08
